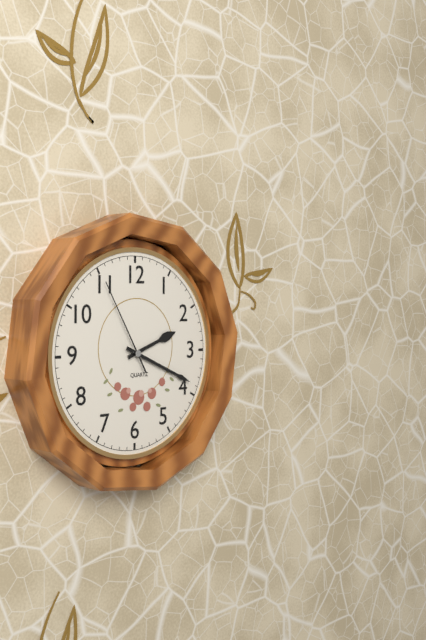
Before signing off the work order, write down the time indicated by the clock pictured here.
2:19:55
